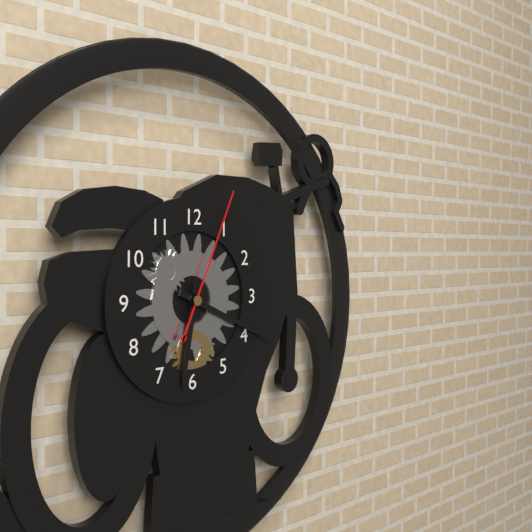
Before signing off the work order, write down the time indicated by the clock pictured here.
6:19:04
